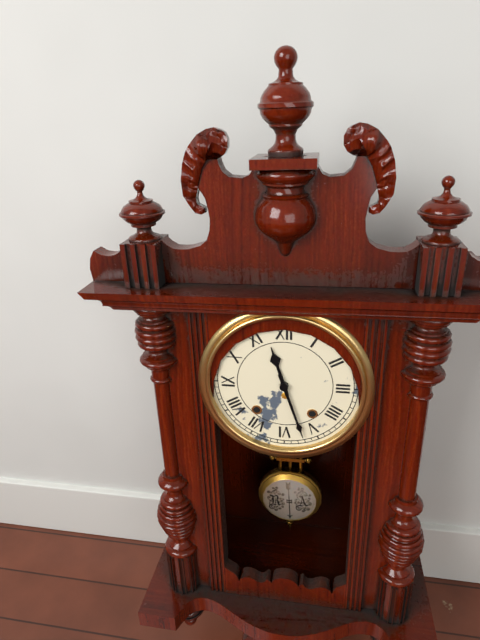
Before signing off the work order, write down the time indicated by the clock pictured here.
11:27
